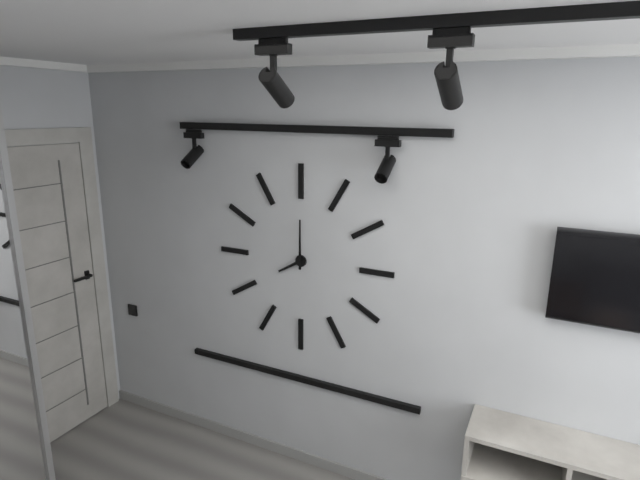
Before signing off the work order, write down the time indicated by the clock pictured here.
8:00
